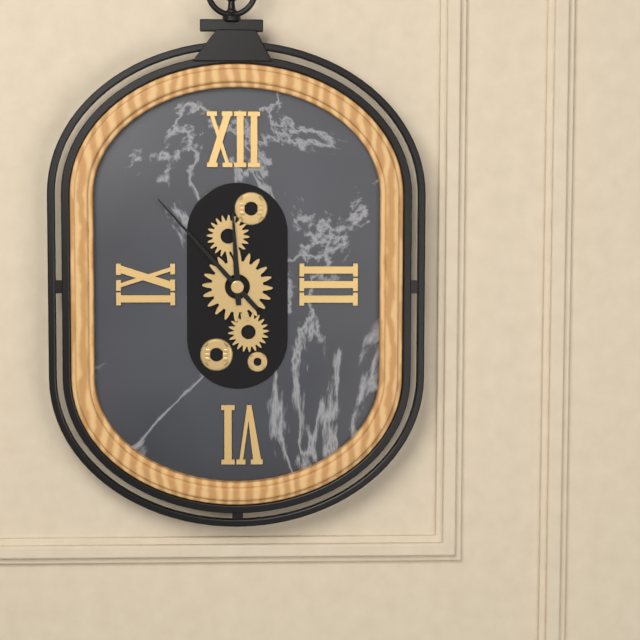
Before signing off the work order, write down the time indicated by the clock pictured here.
11:53
